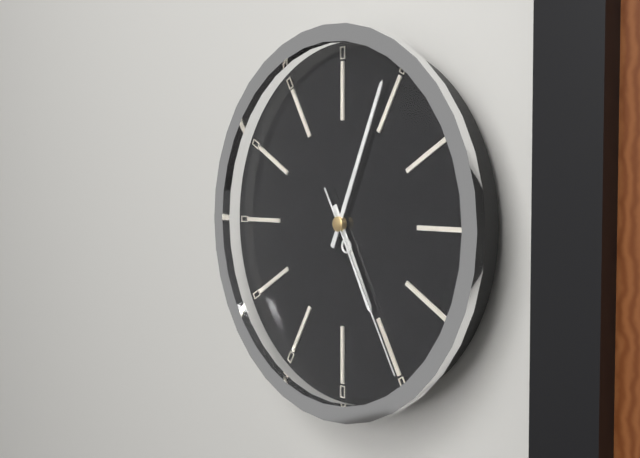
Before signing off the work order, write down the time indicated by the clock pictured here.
5:04:25
